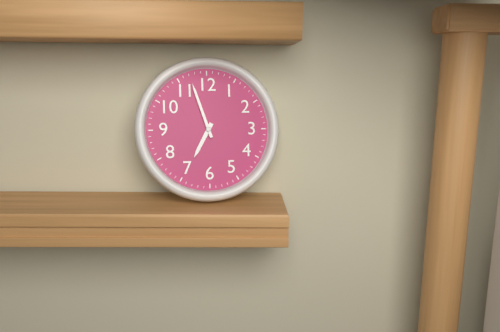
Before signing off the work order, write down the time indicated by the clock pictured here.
6:57
